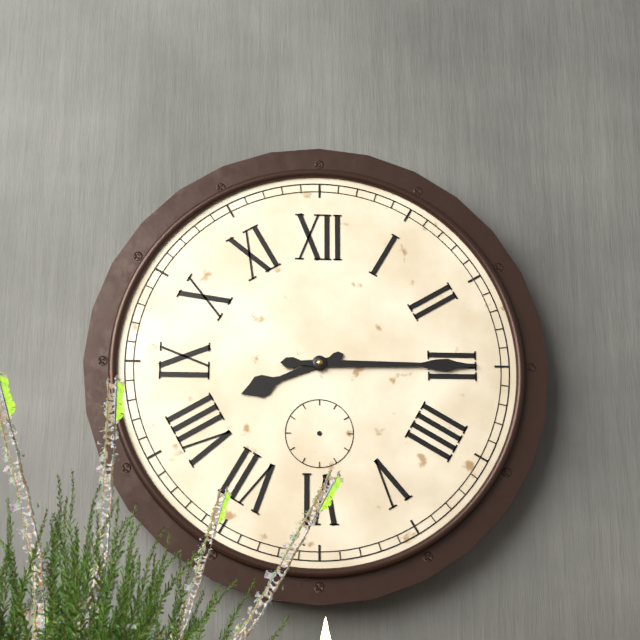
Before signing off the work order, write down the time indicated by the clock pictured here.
8:15
